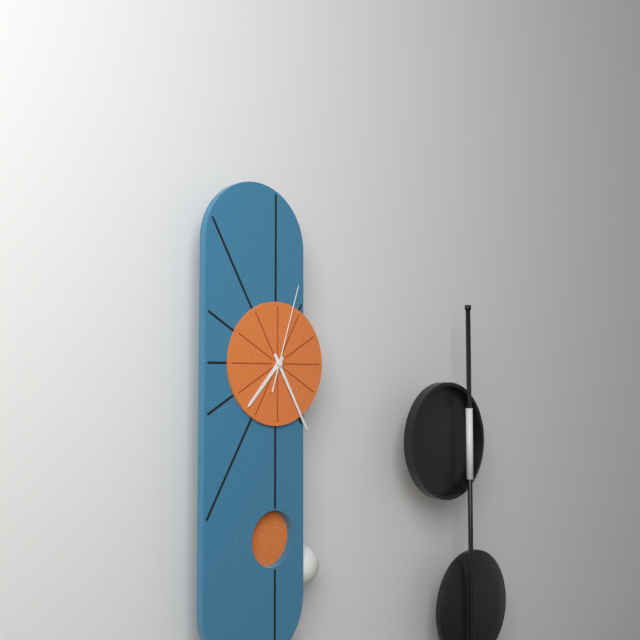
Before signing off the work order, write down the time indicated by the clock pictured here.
7:25:03
